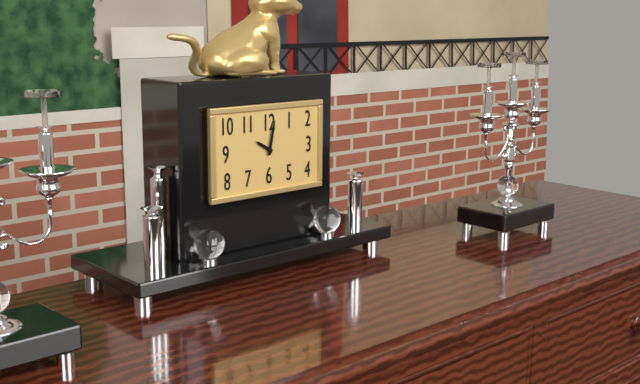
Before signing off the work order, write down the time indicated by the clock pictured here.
10:02
